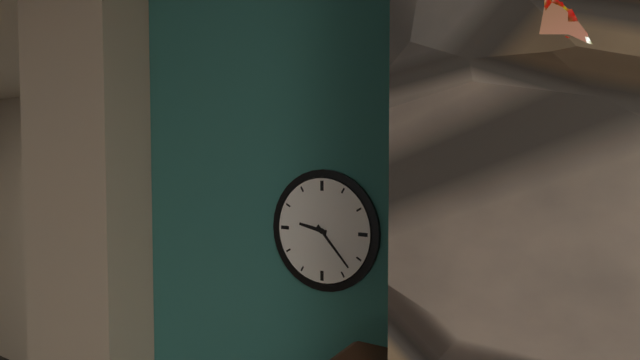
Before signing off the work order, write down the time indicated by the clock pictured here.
9:23
